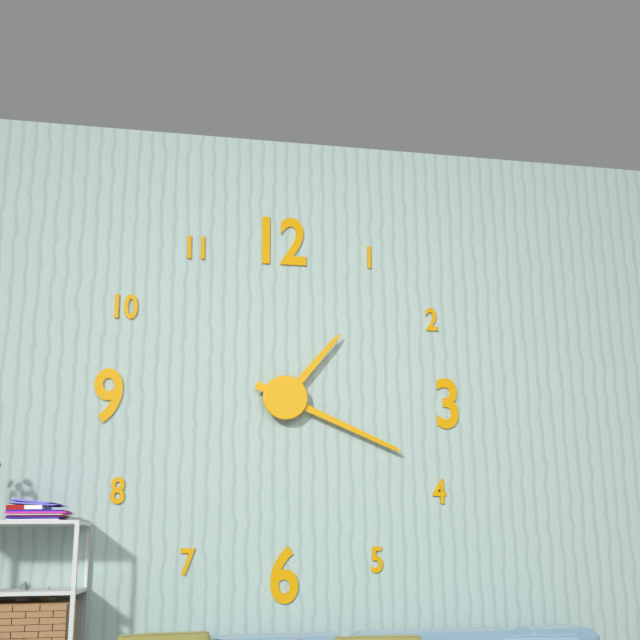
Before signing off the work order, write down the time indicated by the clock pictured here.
1:19
